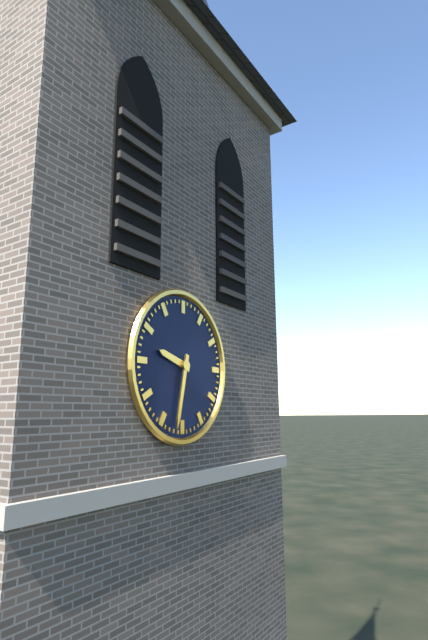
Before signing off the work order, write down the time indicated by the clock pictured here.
9:32
